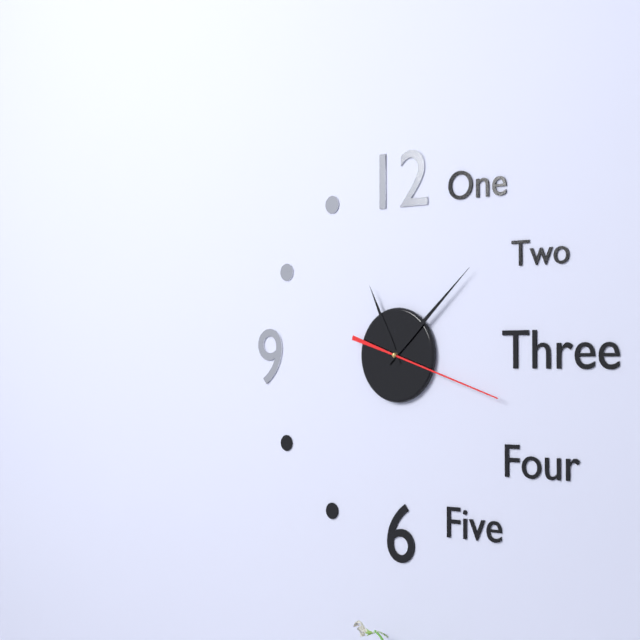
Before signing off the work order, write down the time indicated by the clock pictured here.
11:08:18
